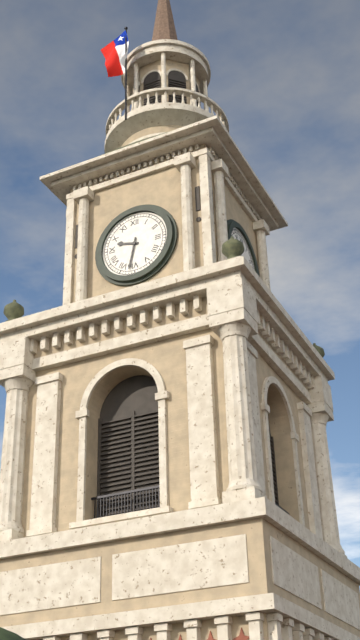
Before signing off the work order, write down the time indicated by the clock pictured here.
9:32
